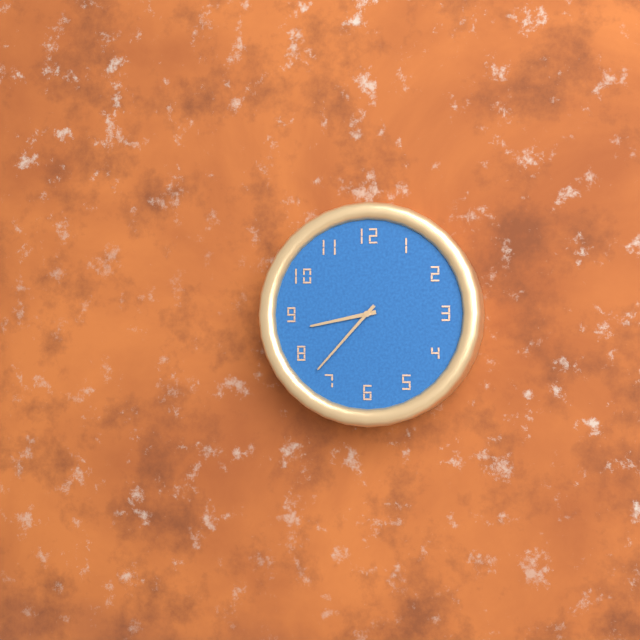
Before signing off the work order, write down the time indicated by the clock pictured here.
8:37
